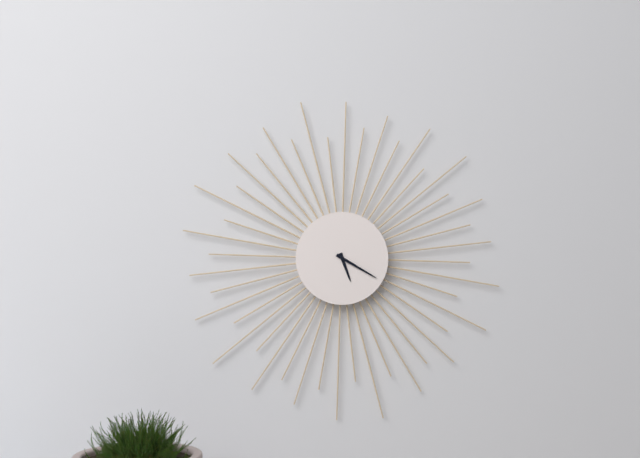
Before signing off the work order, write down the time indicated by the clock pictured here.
5:20
